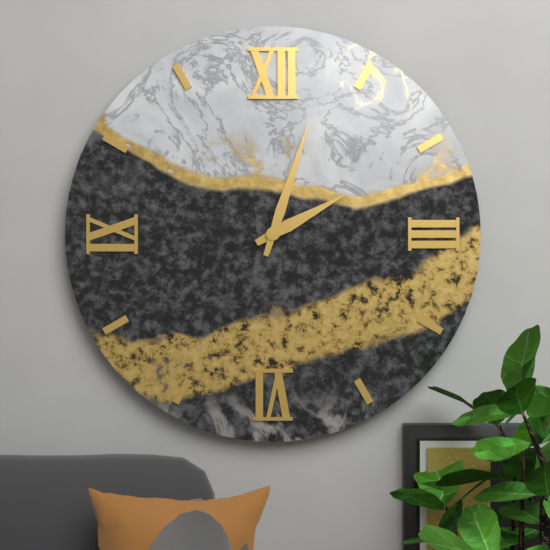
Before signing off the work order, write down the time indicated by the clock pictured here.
2:03
